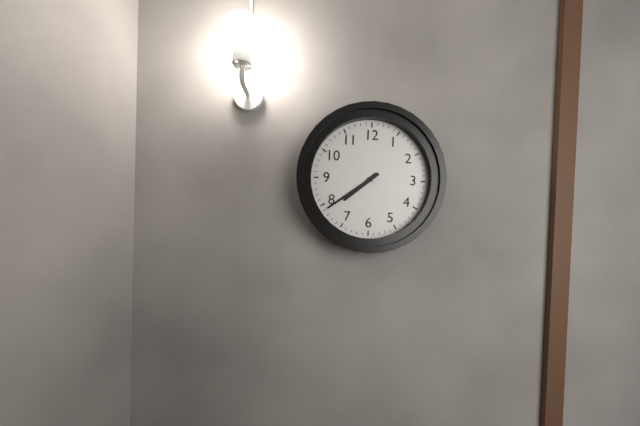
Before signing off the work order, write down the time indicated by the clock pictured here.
7:39
